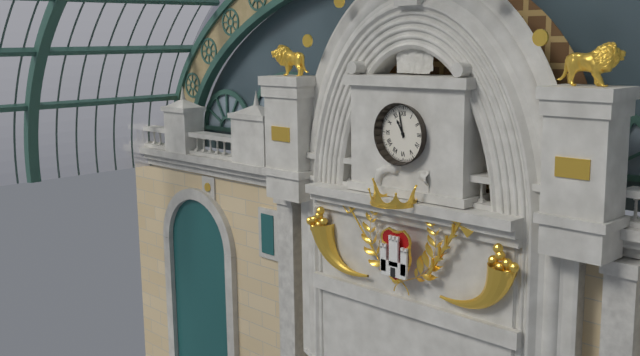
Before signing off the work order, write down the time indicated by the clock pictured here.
10:58
